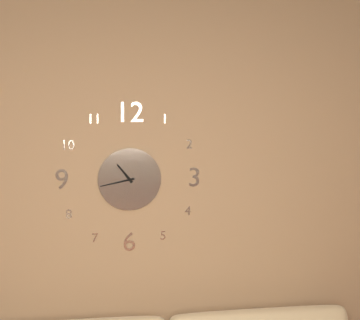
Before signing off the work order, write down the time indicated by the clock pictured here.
10:43
